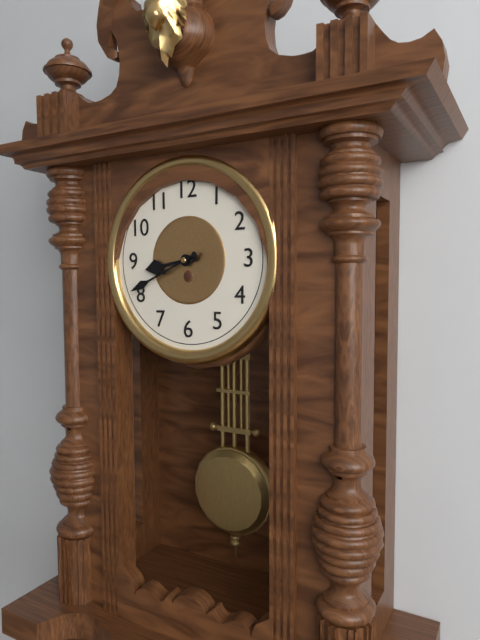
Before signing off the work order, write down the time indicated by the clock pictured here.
8:41
